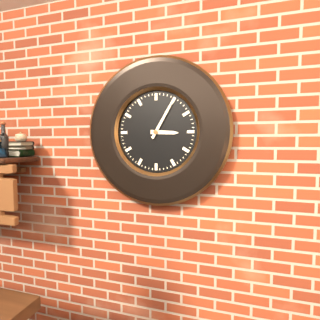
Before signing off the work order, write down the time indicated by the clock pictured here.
3:05
